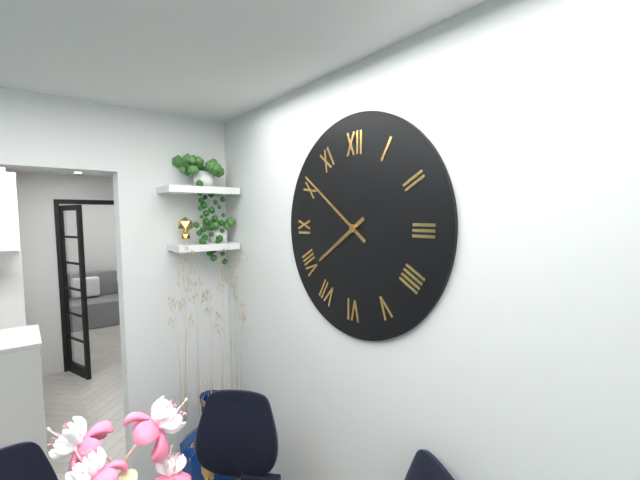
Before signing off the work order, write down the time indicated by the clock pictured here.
7:51
